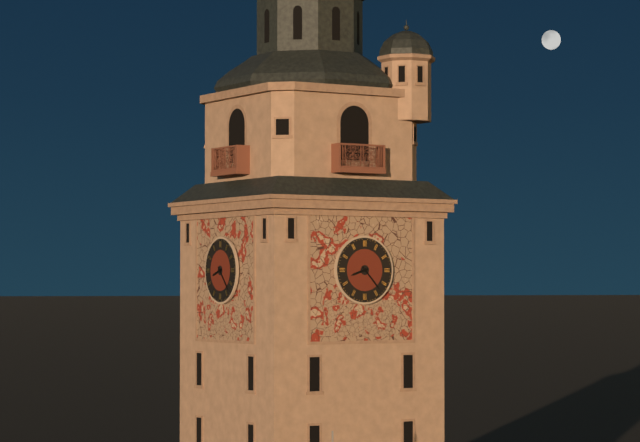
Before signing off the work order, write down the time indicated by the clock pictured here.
8:23
